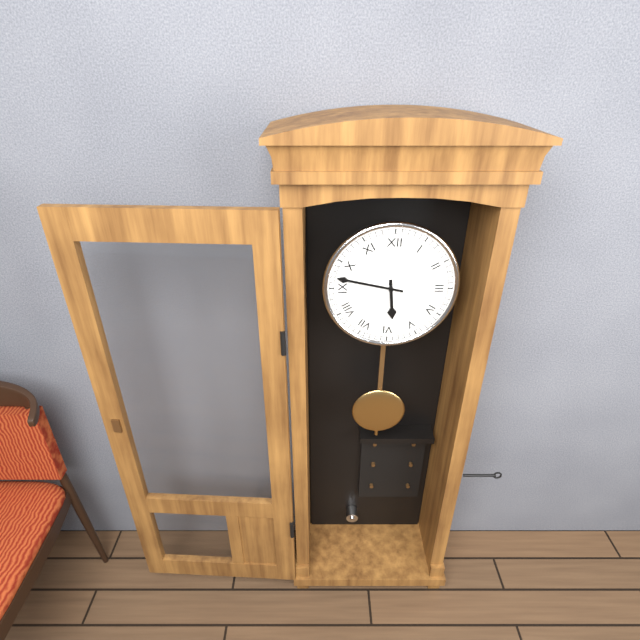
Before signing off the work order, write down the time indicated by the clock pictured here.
5:47
